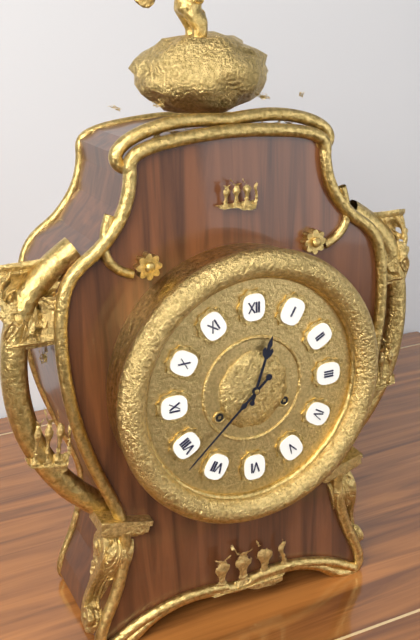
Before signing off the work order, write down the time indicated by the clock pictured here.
12:38
